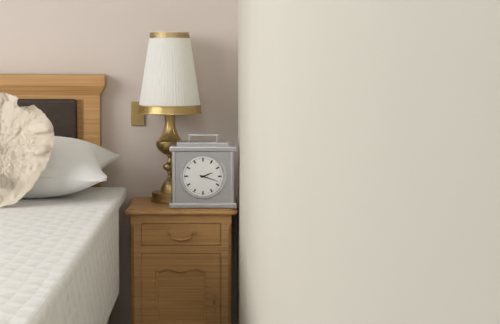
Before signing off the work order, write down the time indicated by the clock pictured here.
2:18
